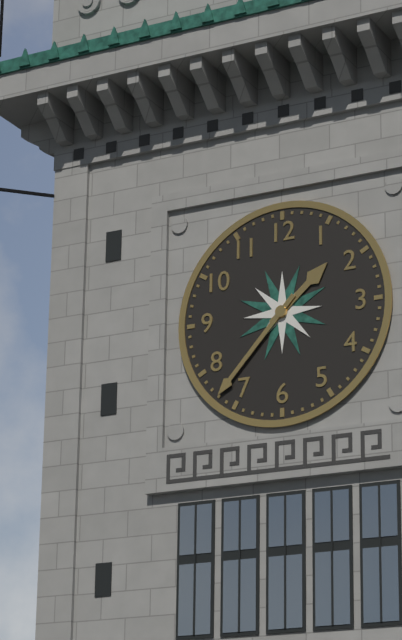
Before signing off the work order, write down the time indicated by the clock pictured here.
1:37
